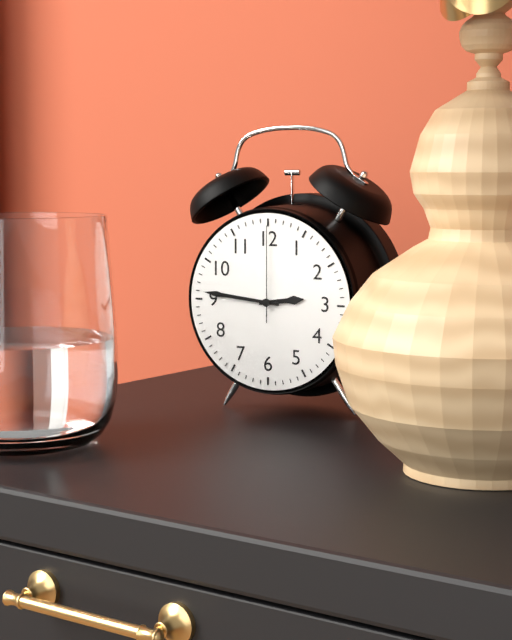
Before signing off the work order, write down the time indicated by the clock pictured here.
2:46:00
